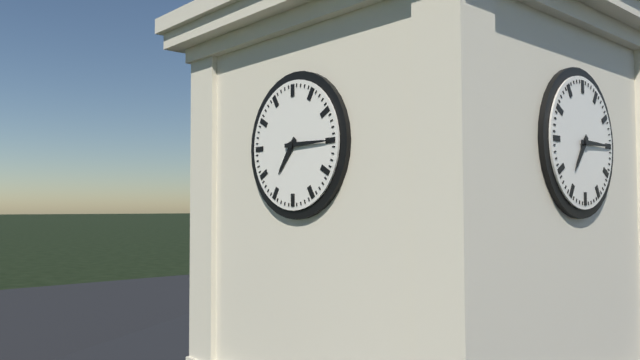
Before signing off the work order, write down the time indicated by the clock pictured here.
7:15
